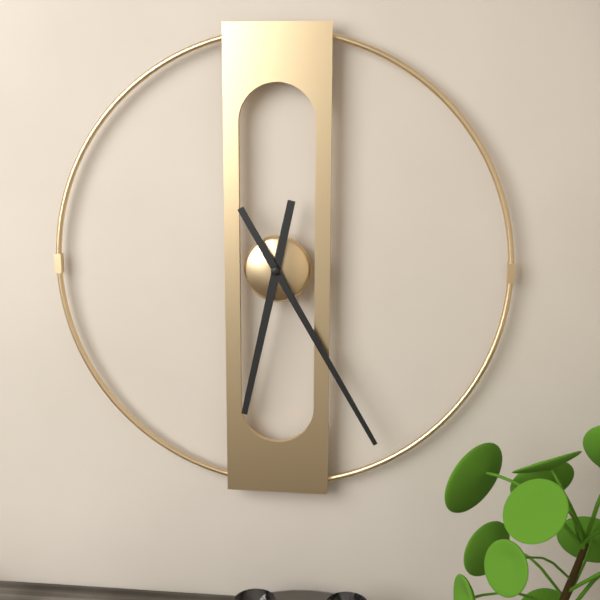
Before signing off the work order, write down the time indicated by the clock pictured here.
6:25
